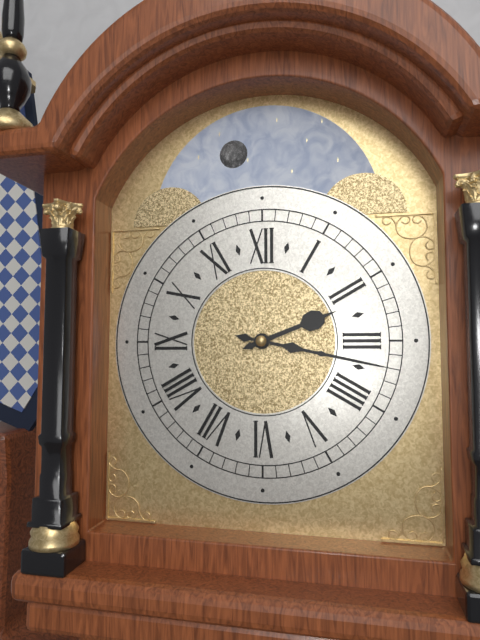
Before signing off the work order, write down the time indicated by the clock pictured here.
2:17
